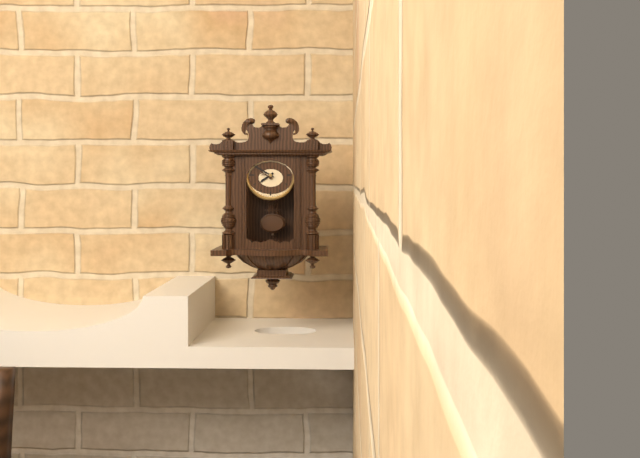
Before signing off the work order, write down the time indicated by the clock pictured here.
7:50
